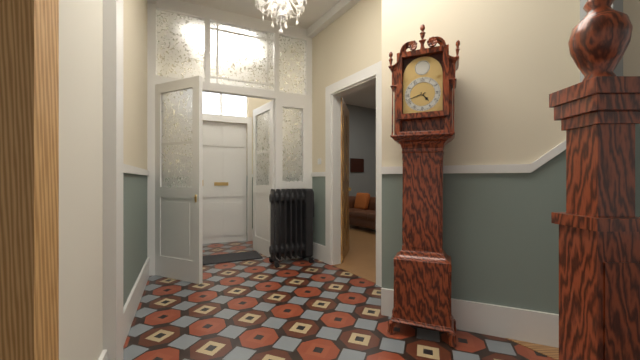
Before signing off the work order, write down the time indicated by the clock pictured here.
4:42
